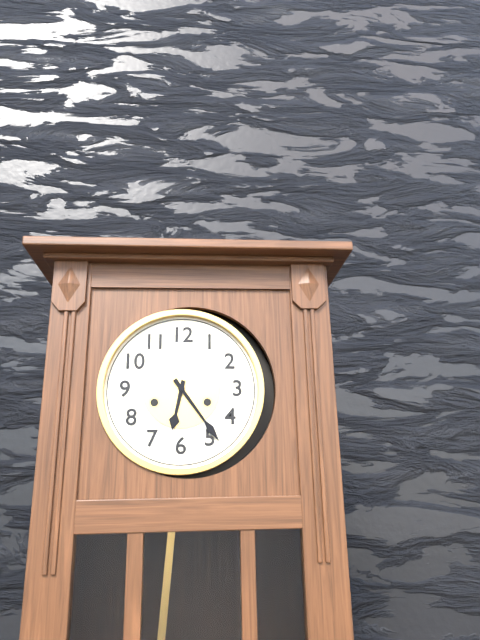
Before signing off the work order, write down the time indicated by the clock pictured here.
6:24
